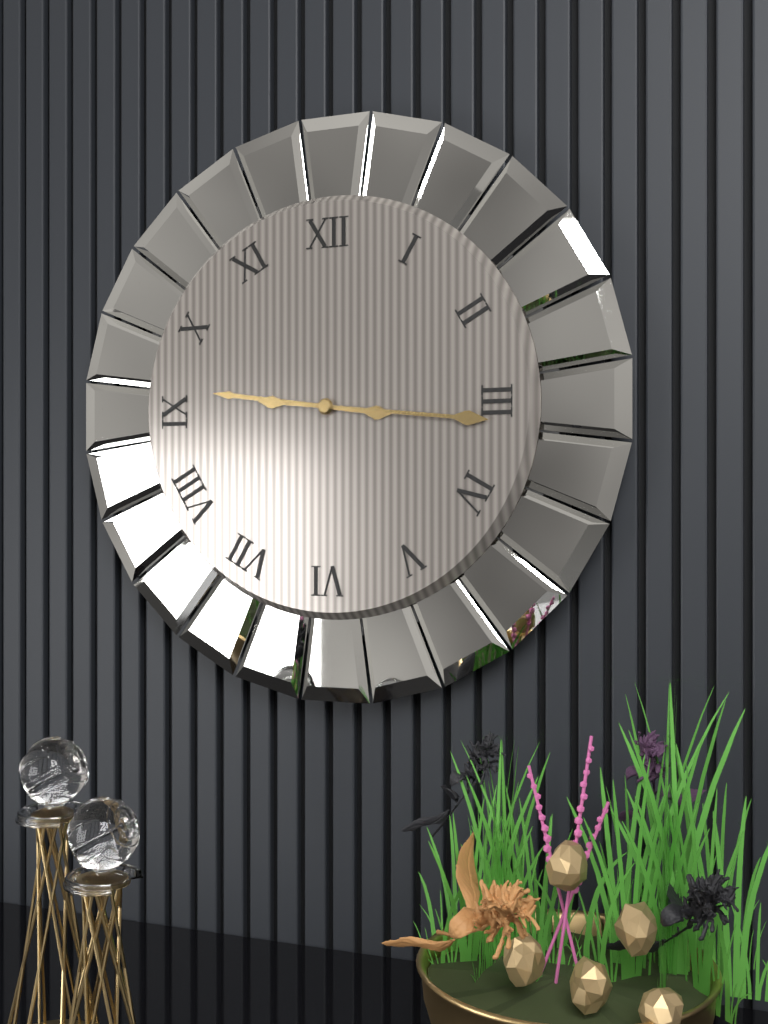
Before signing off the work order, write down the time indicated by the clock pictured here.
9:16
